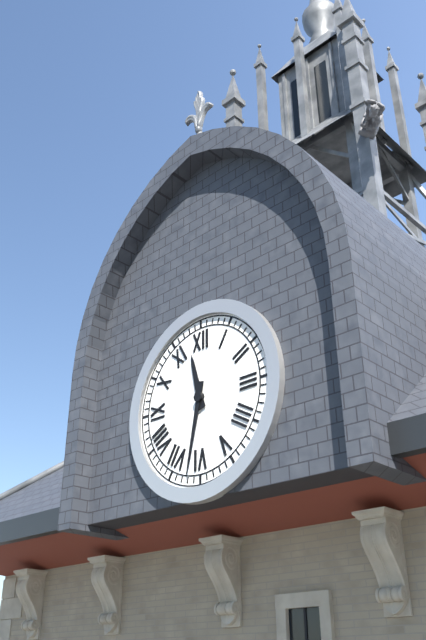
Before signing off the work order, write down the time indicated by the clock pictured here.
11:32
